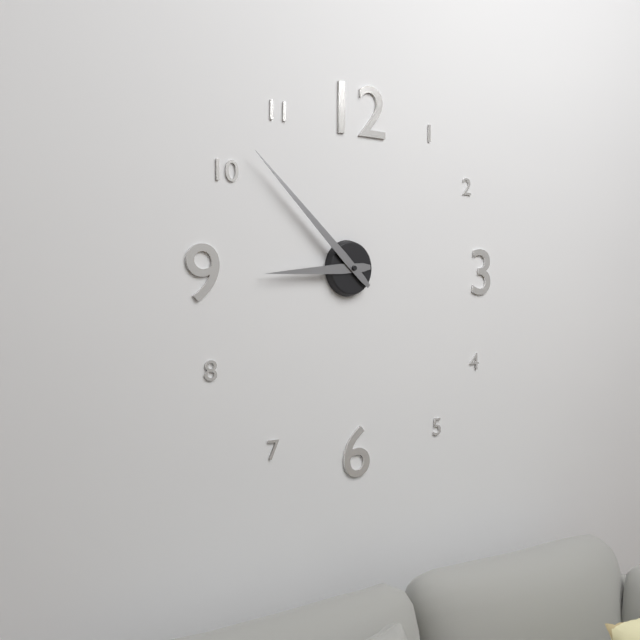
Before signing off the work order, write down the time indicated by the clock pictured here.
8:52
